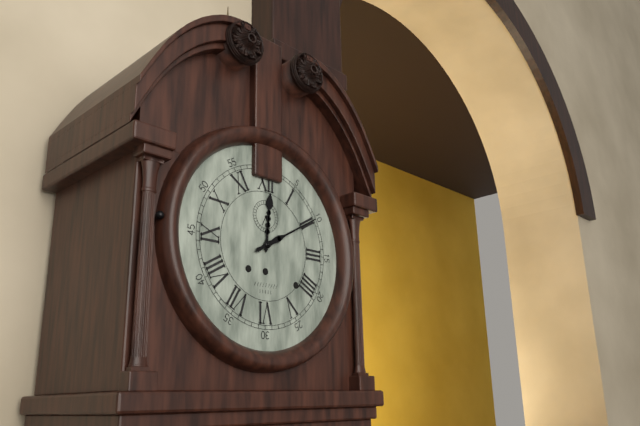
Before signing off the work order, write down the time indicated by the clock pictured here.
12:10
